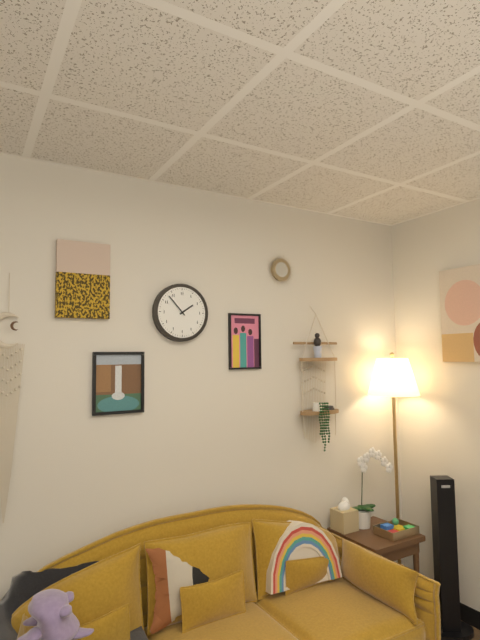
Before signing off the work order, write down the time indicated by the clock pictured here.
1:53
